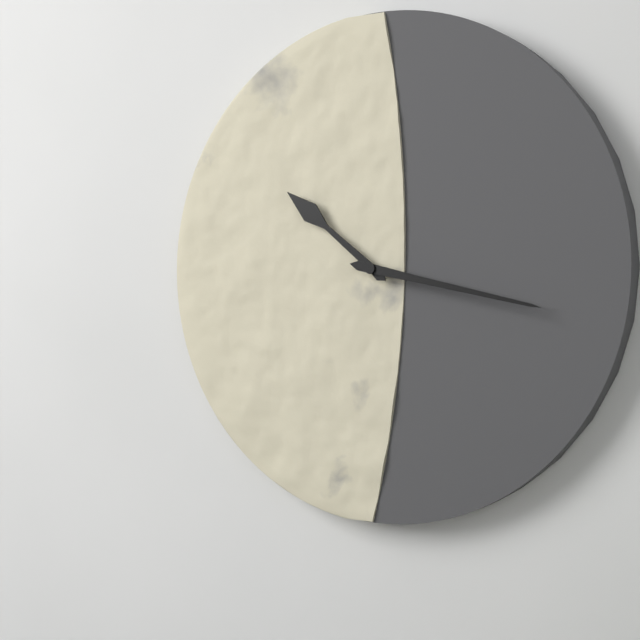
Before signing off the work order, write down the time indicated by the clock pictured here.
10:17
